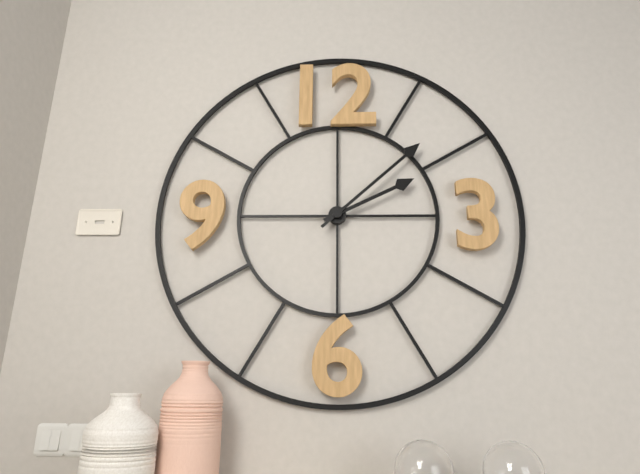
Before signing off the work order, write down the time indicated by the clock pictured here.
2:08
